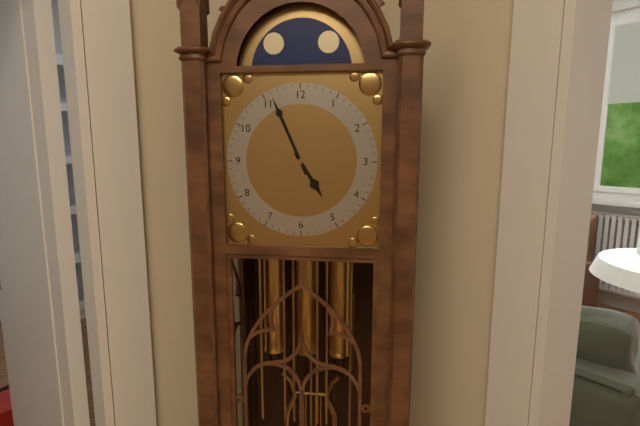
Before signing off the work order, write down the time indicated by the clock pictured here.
4:56
